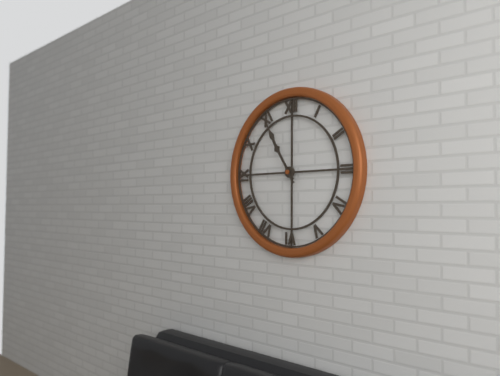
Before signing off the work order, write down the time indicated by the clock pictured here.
10:55
